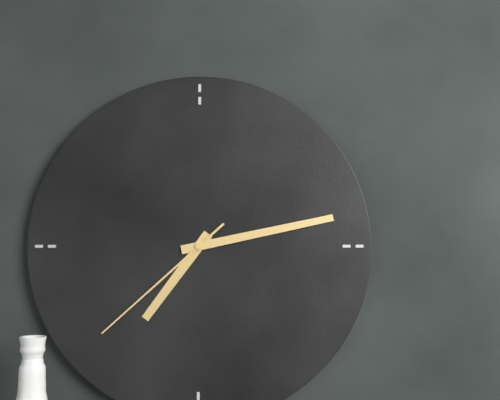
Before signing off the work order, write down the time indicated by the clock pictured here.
7:13:38
